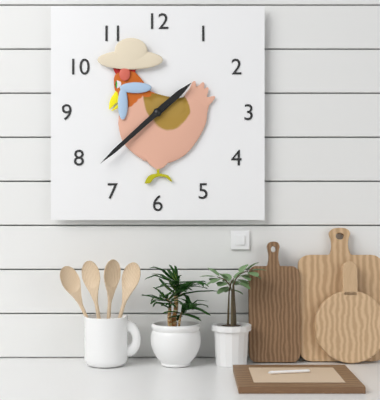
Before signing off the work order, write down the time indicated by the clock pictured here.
1:38
